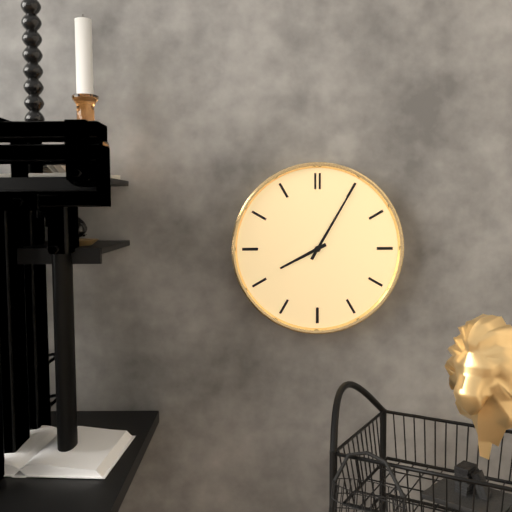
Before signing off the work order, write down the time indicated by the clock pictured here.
8:05
